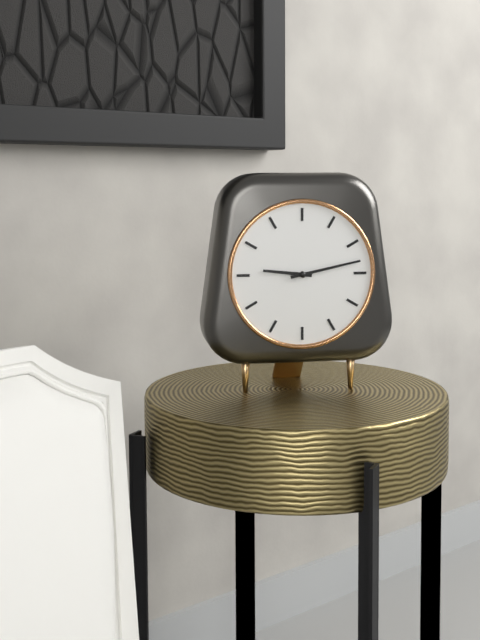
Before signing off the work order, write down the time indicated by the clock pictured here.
9:13
